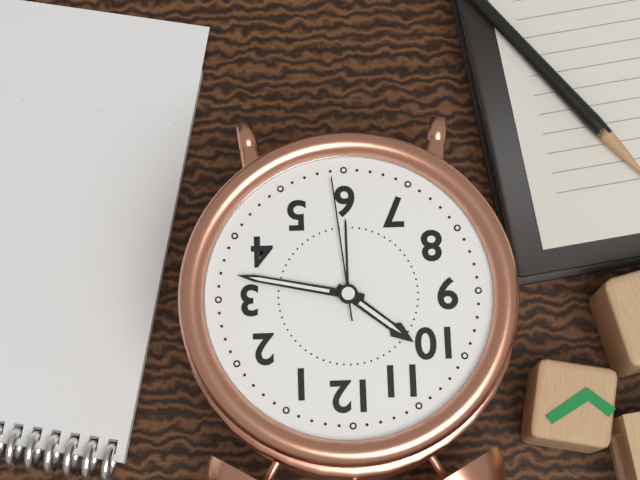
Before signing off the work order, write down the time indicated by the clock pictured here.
10:17:29
